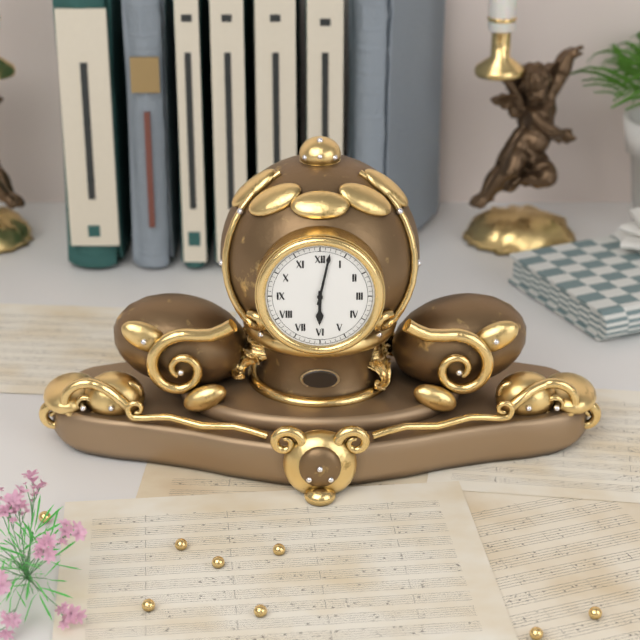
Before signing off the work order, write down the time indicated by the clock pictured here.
6:02
